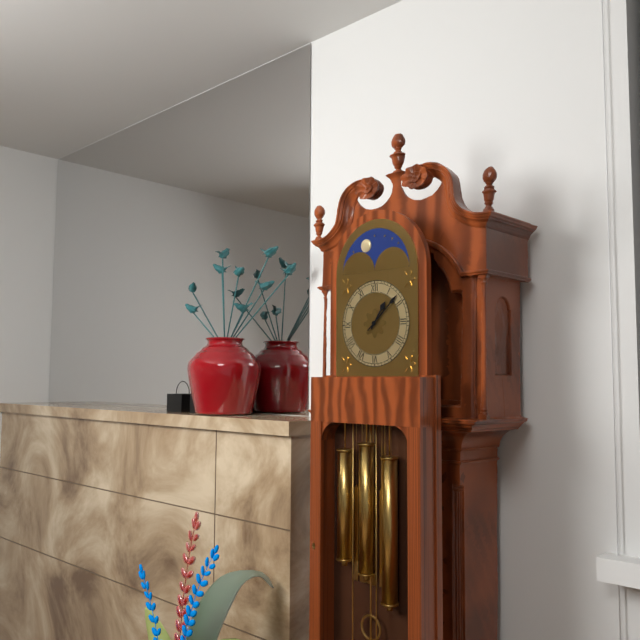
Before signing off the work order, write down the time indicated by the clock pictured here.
1:08
